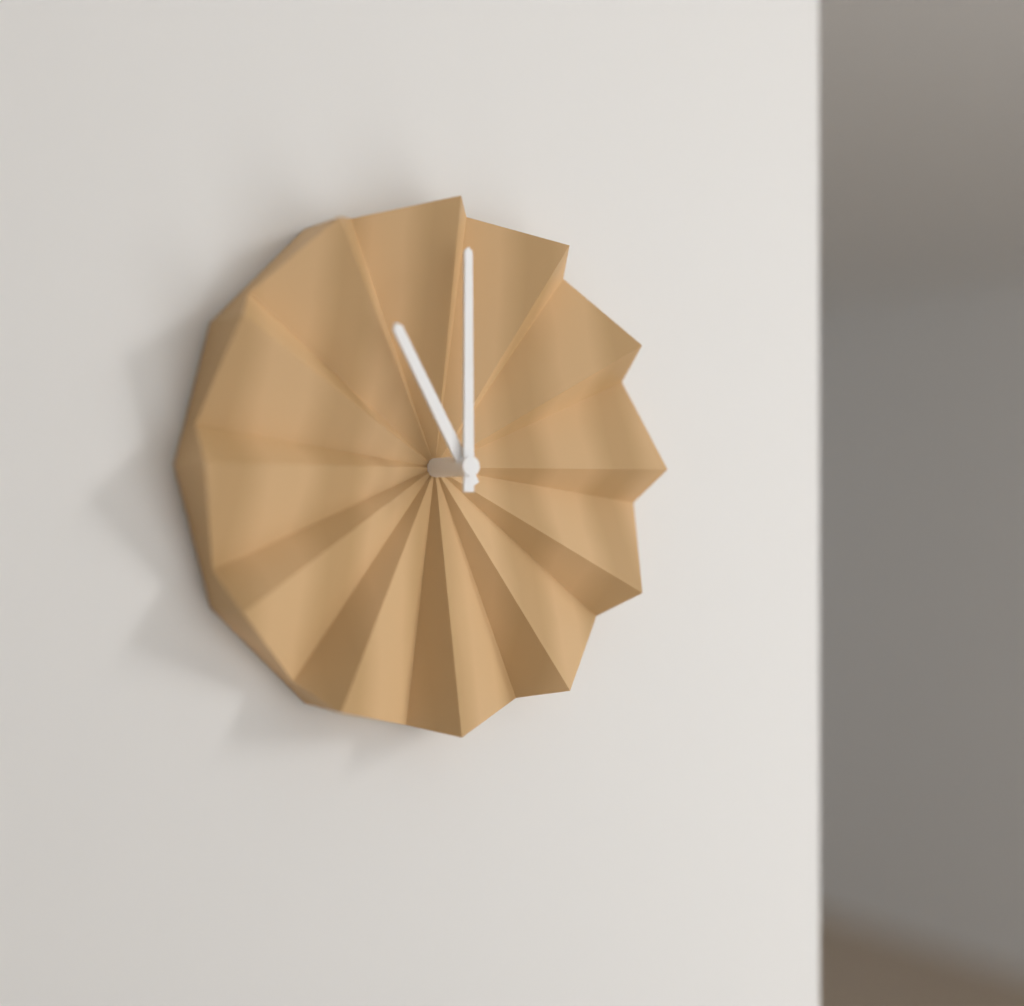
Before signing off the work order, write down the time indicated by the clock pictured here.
11:00
